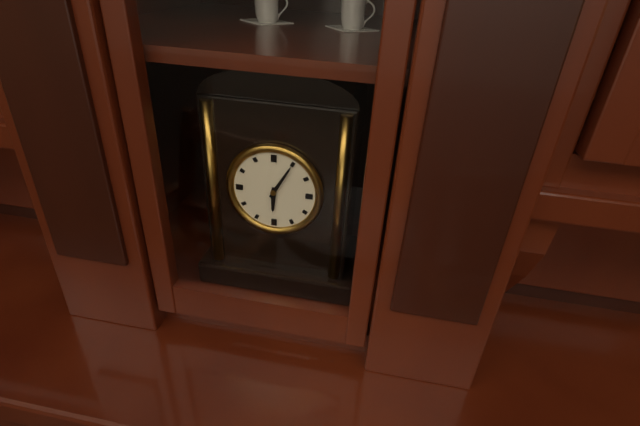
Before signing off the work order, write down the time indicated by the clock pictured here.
6:05
